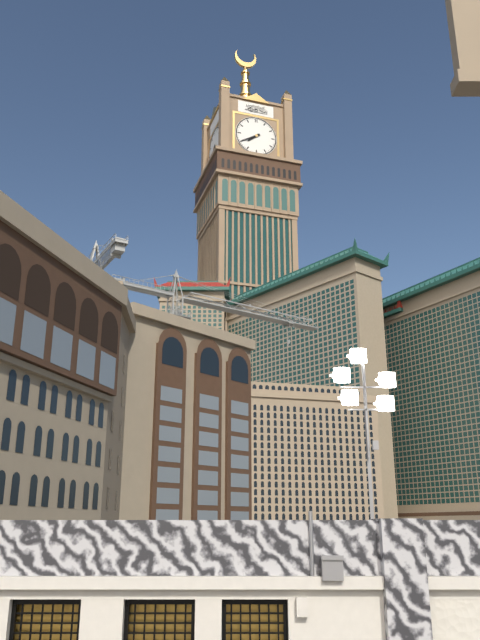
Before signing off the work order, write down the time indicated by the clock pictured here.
7:40
